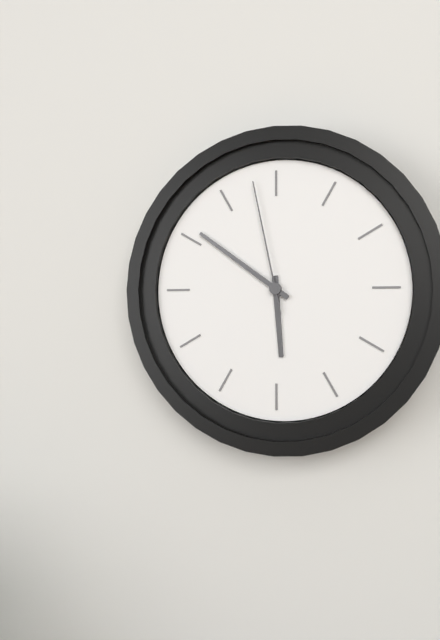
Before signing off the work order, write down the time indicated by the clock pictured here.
5:51:58
